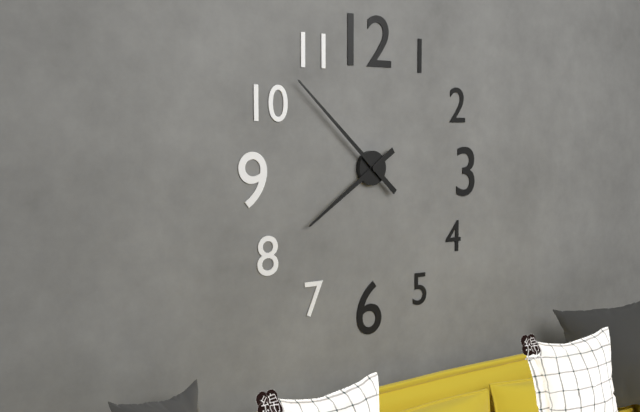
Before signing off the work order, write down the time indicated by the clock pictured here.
7:52
